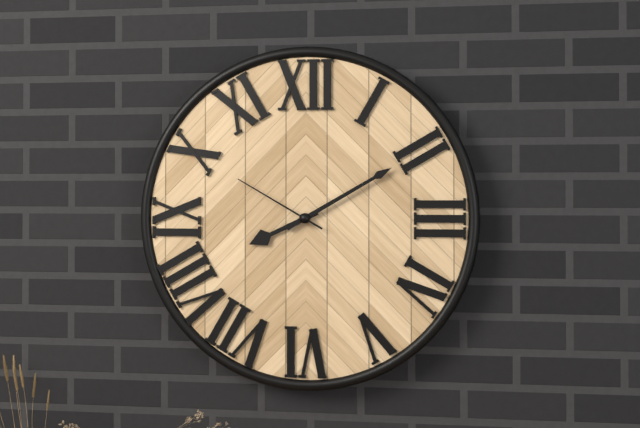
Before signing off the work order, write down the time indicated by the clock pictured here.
8:10:50
